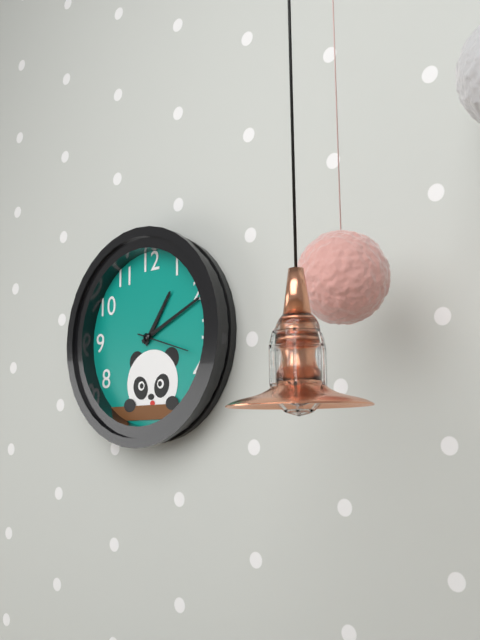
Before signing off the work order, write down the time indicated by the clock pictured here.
1:11:18
